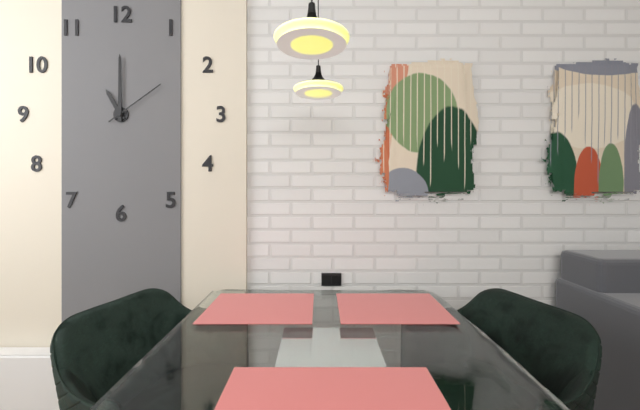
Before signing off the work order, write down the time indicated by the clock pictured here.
11:00:09
